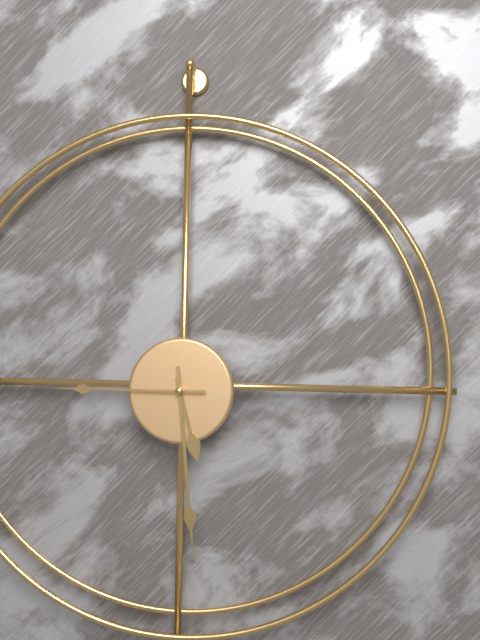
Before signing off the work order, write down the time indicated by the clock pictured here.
5:29:45
